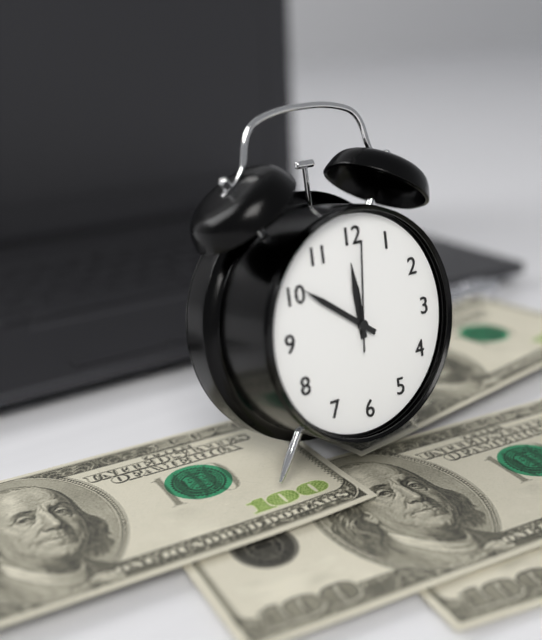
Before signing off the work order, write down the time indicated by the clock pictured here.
11:51:01
